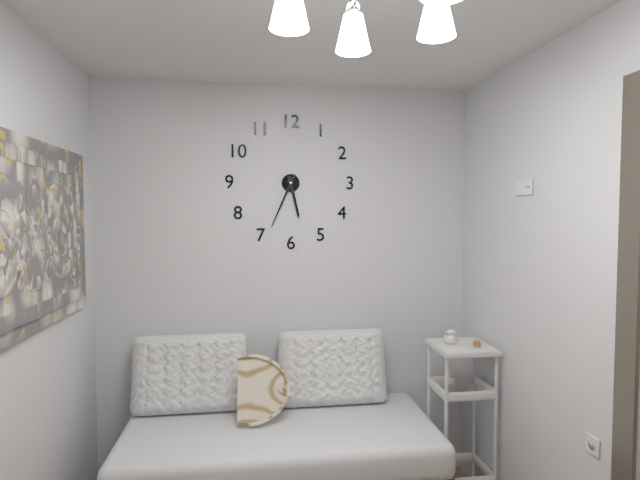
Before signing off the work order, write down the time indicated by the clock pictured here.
5:34
